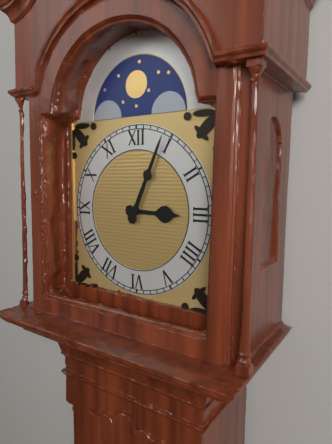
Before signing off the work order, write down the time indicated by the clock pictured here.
3:04
